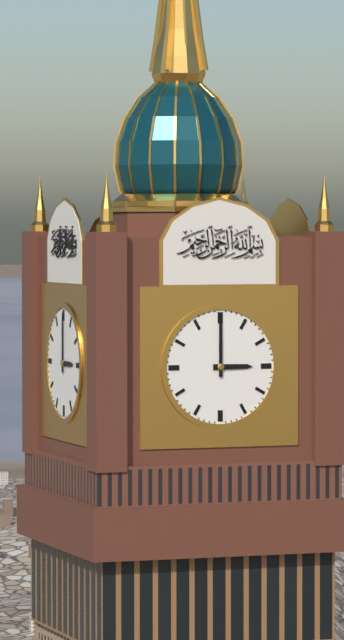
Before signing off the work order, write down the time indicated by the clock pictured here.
3:00
